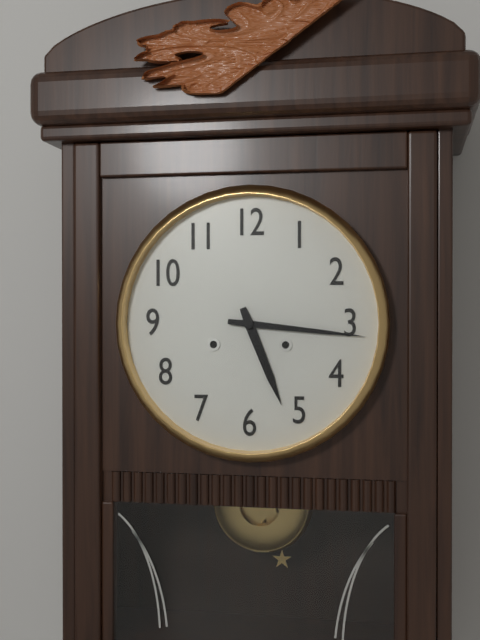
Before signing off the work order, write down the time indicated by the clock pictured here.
5:16
